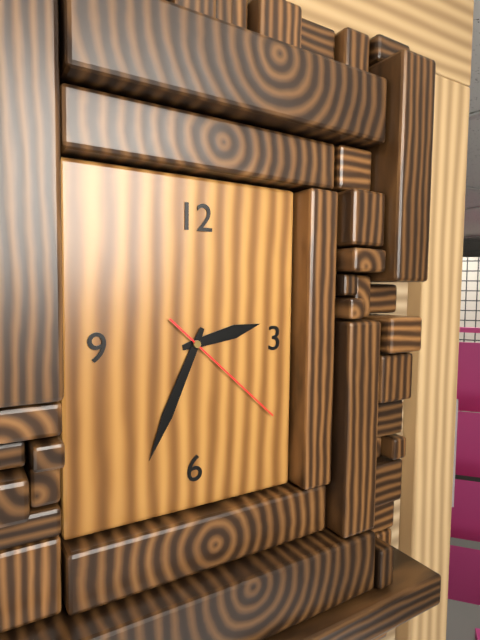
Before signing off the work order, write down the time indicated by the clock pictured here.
2:34:22
